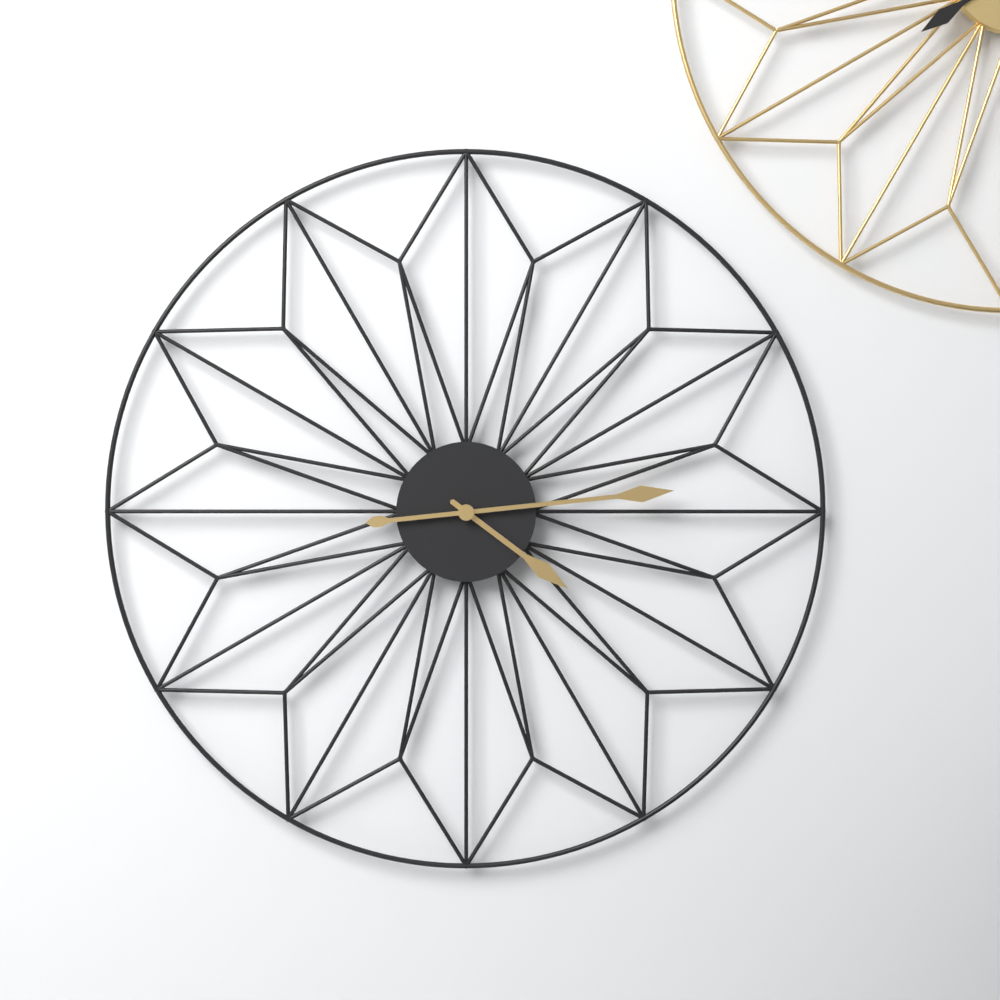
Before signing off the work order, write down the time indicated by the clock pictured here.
4:14
